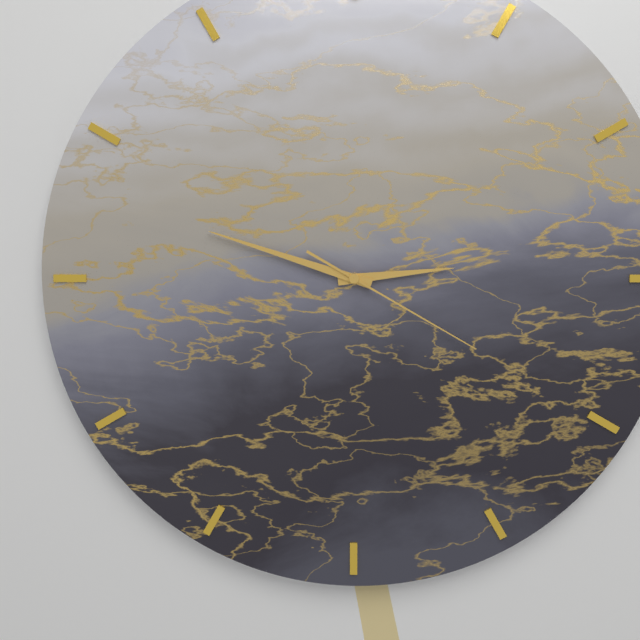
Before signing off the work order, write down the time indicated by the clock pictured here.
2:48:20
